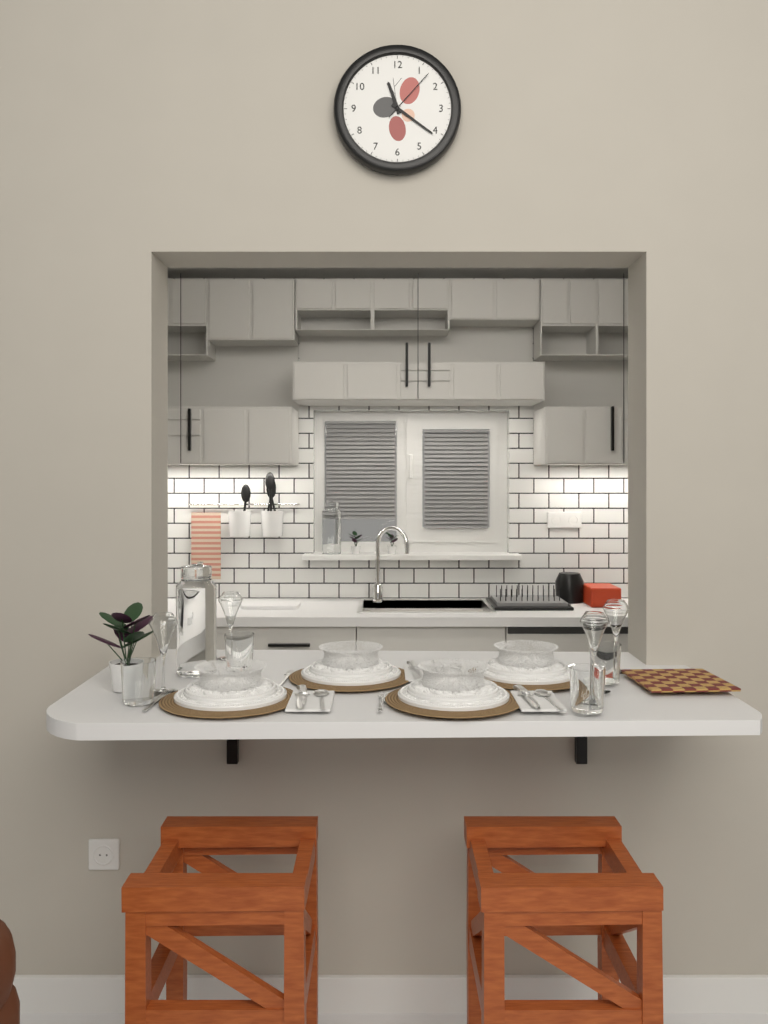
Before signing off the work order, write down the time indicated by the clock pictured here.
11:21:07
